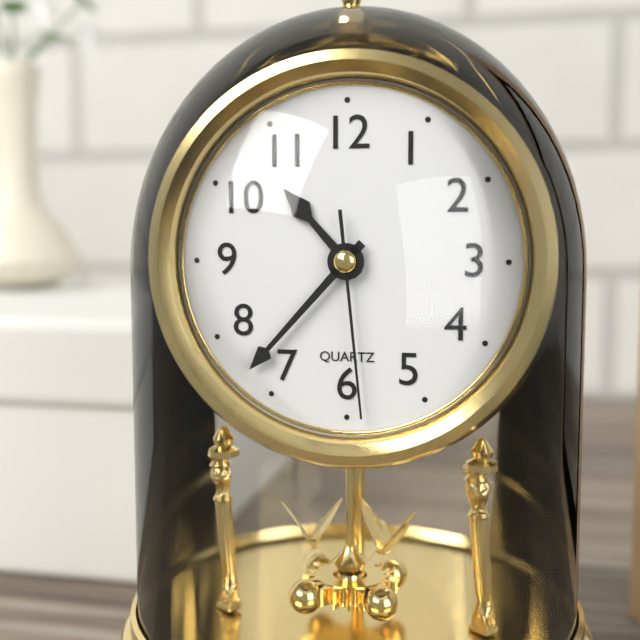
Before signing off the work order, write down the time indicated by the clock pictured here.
10:37:29
